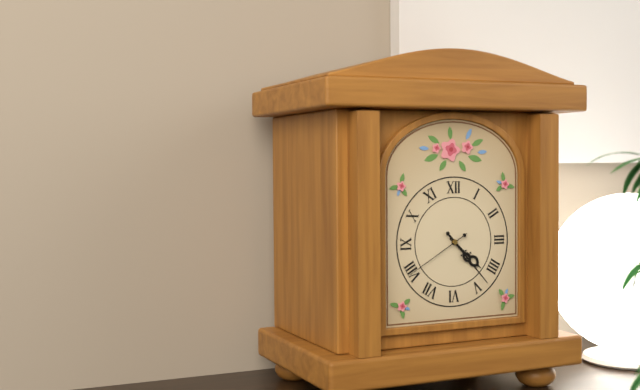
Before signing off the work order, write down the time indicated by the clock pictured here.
4:23:40
